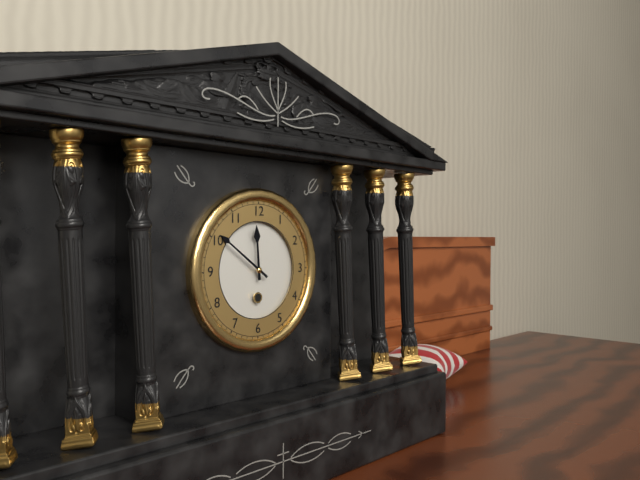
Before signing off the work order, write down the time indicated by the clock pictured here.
11:51
